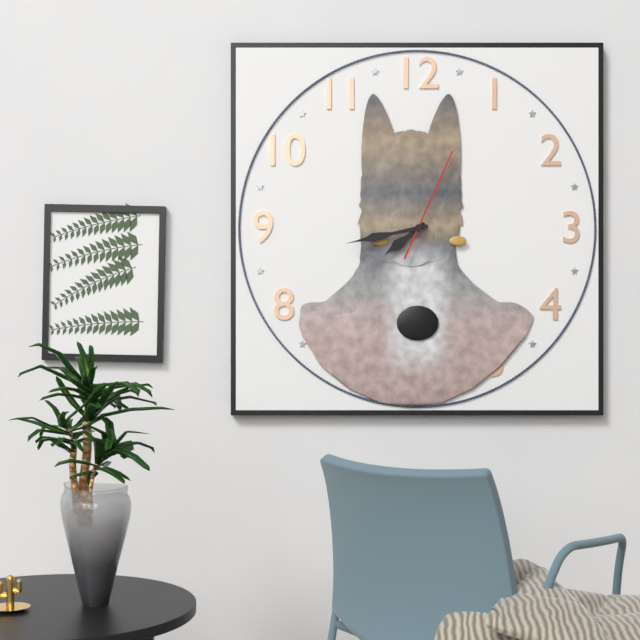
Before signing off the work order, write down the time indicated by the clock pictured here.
7:43:04
